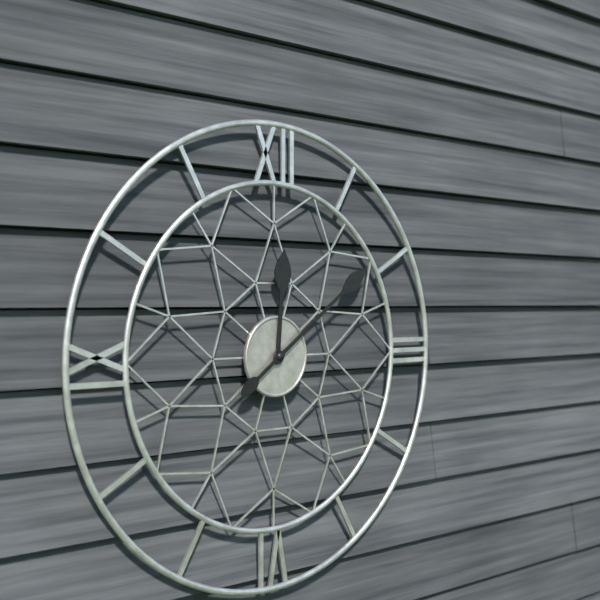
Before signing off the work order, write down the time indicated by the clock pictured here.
12:09
